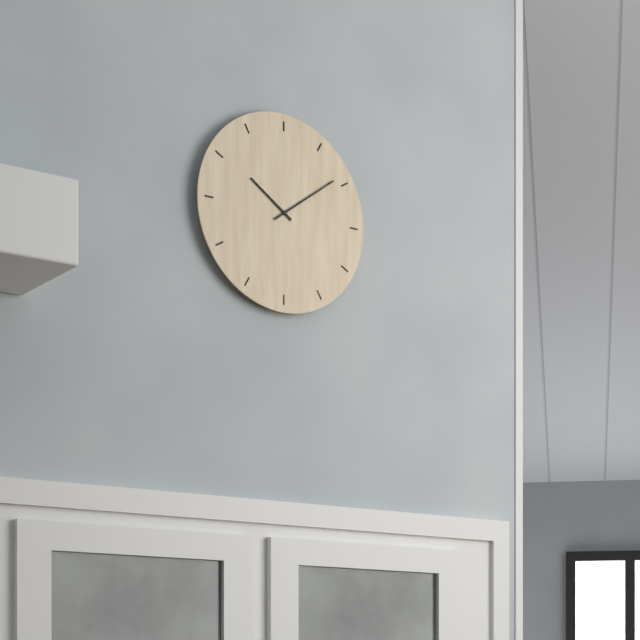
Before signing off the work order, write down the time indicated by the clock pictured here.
10:09
